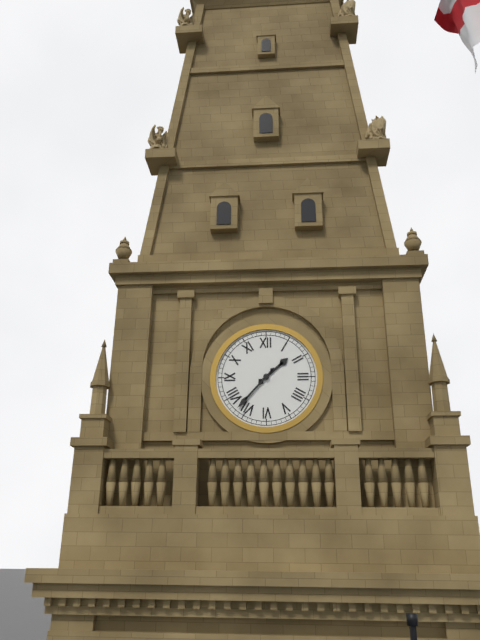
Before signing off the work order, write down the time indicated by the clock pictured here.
1:37
